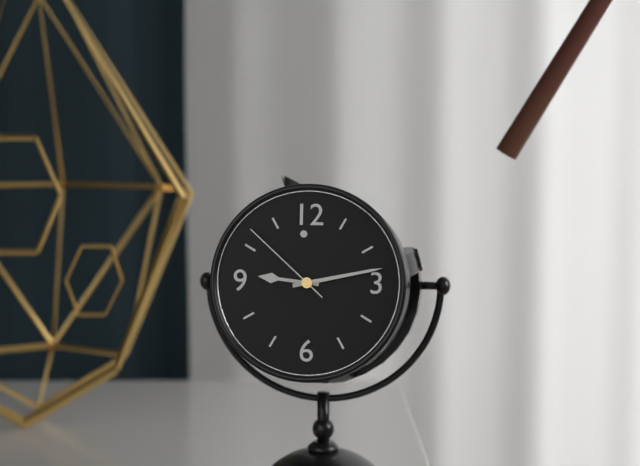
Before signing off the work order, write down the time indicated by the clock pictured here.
9:13:52
